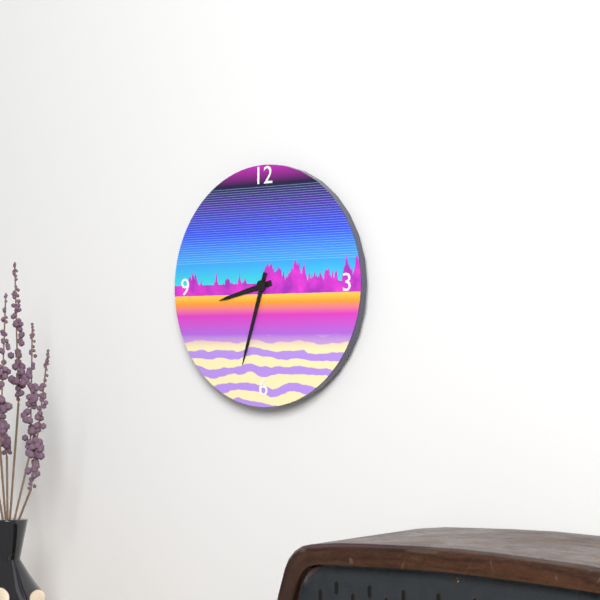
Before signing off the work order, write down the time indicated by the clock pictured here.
8:33
